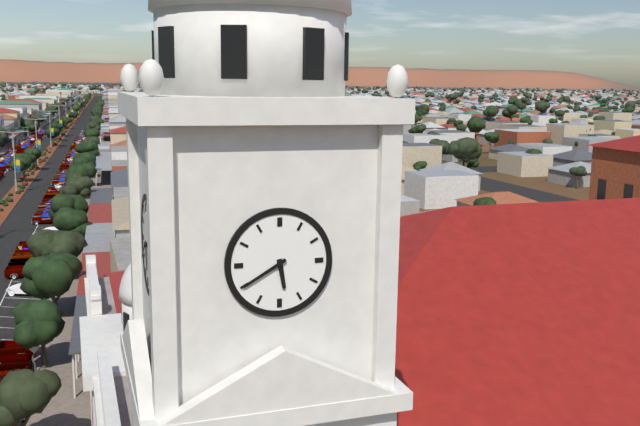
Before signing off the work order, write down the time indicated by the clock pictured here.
5:40
